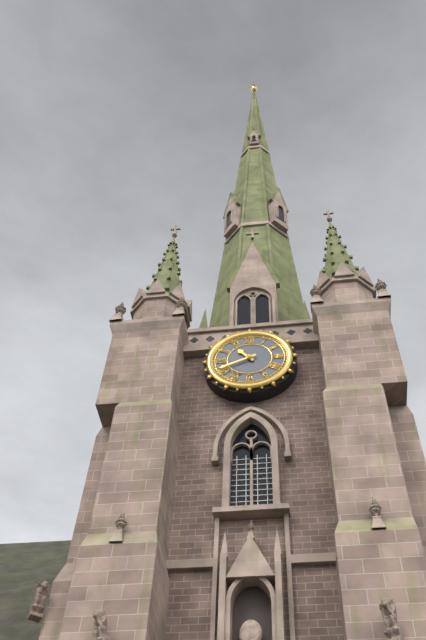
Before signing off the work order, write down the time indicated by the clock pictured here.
10:41
